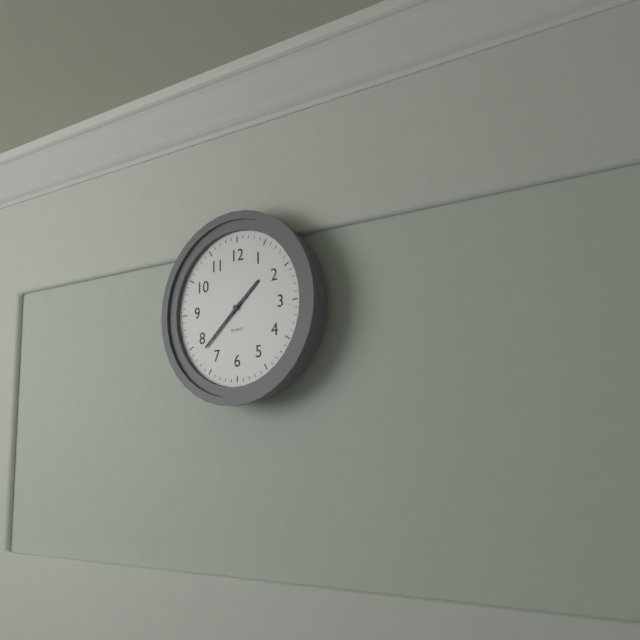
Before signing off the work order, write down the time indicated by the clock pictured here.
1:38
